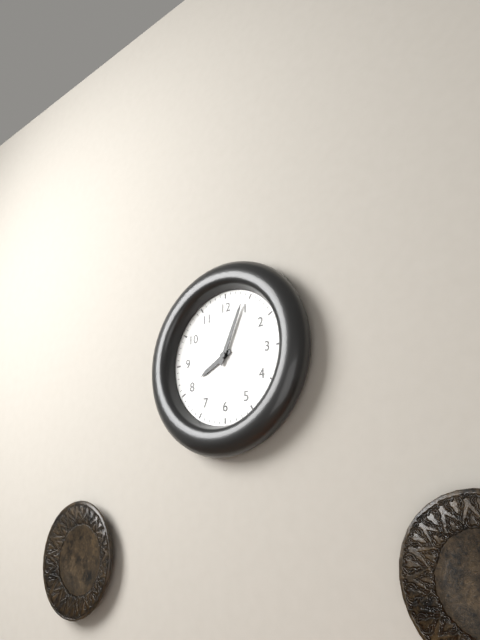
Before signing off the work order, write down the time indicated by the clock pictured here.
8:04
